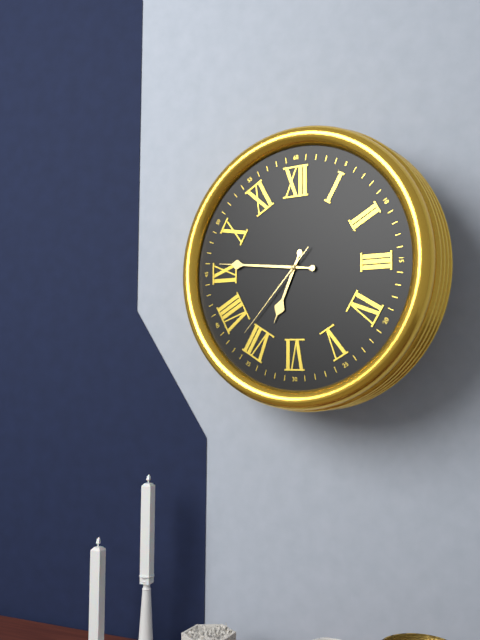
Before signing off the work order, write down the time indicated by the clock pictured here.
6:46:37
